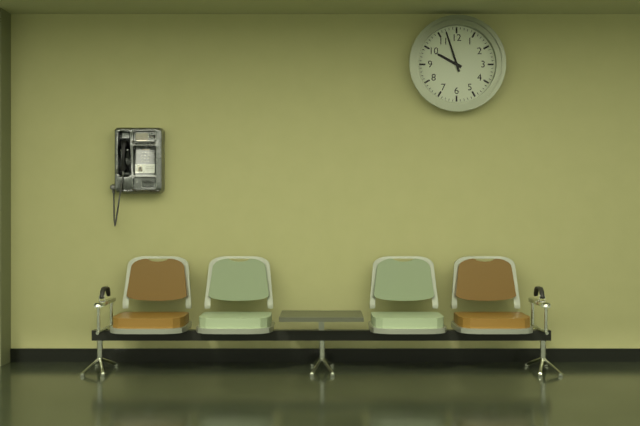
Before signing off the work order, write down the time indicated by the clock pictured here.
9:57
